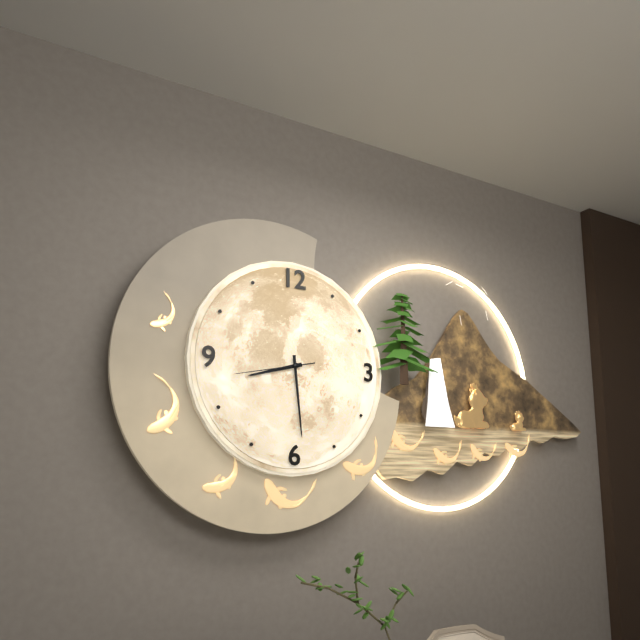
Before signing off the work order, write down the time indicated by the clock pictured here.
8:29:43
